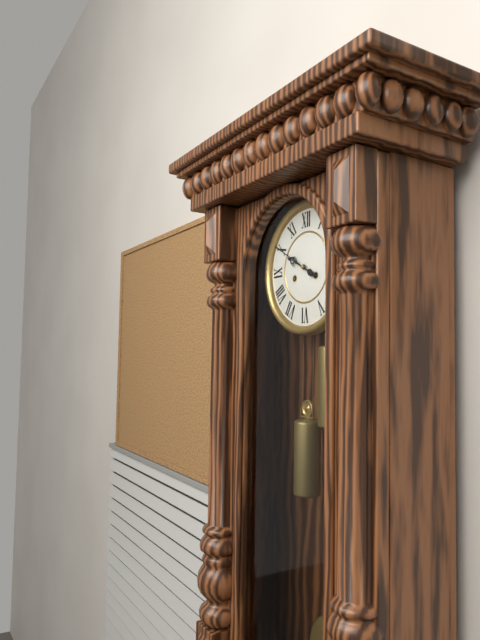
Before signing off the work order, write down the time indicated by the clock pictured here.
9:50
